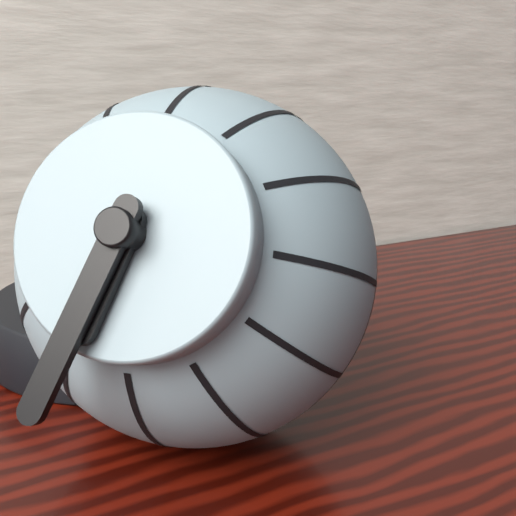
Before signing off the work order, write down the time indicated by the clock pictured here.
6:33
